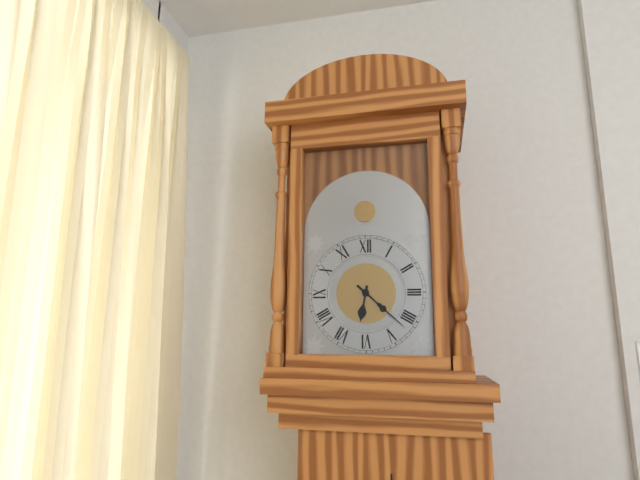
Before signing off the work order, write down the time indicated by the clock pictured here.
6:22
